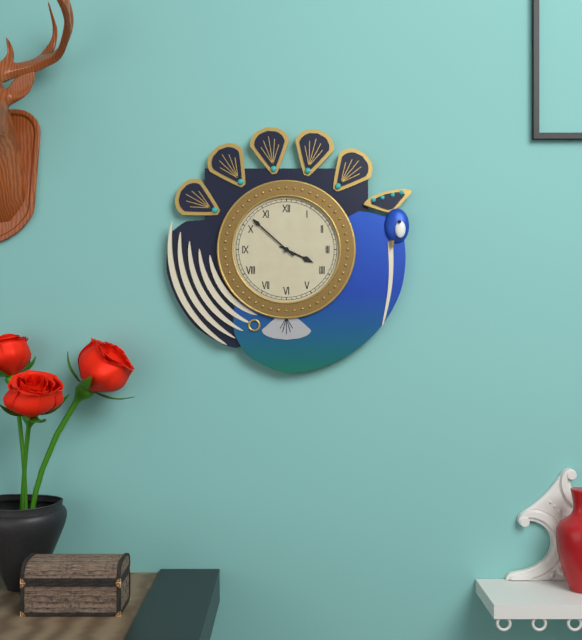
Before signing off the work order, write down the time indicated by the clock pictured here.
3:52
